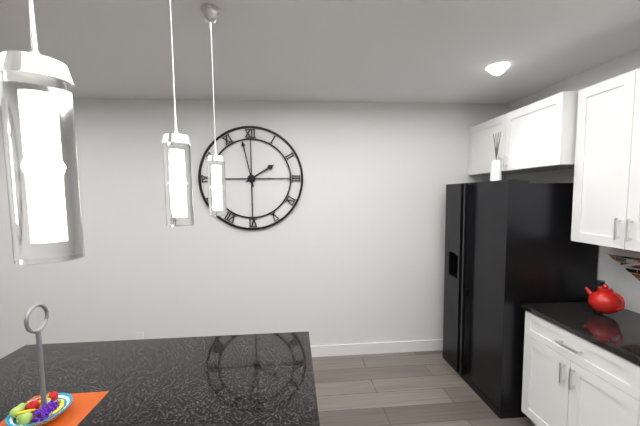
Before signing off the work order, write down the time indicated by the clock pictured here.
1:58
